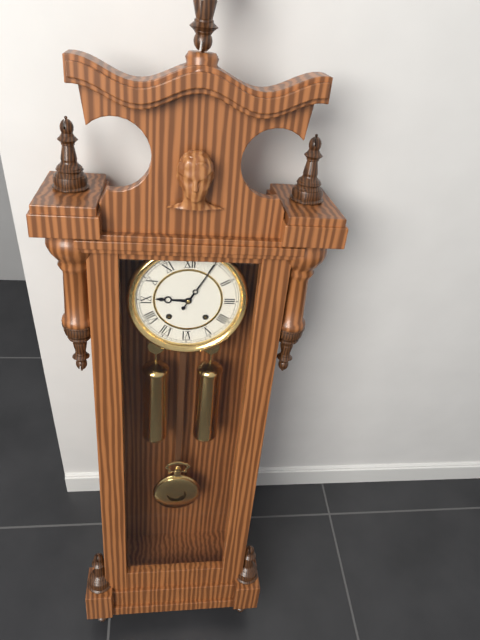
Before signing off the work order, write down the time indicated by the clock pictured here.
9:05
